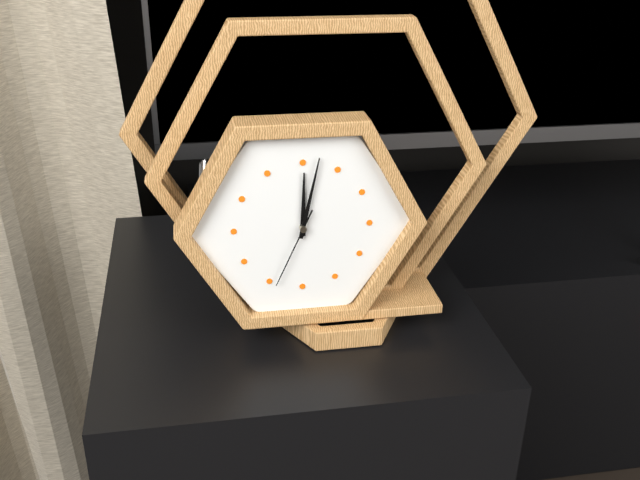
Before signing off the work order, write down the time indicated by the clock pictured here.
12:02:34
